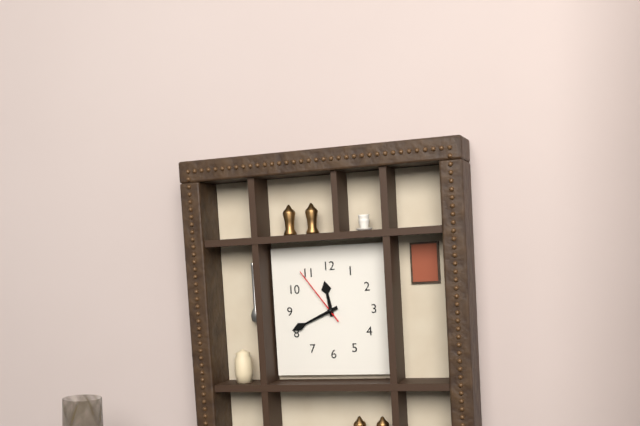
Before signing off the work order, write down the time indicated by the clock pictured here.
11:41:54
